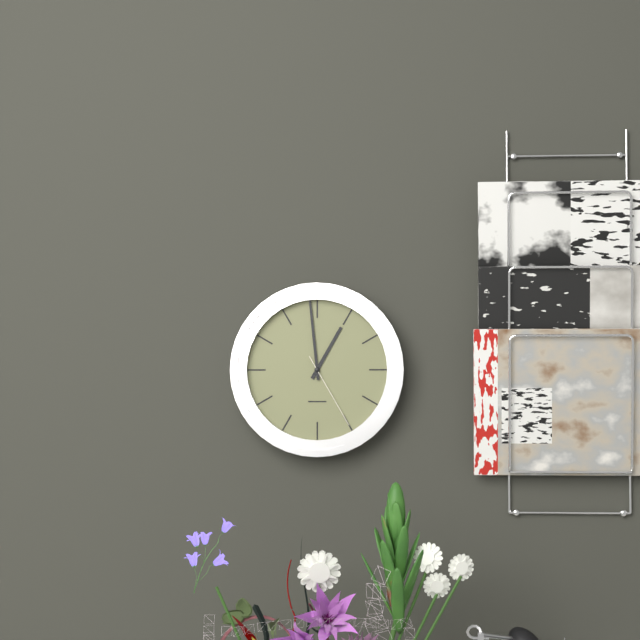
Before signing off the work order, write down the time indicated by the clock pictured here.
12:59:25
